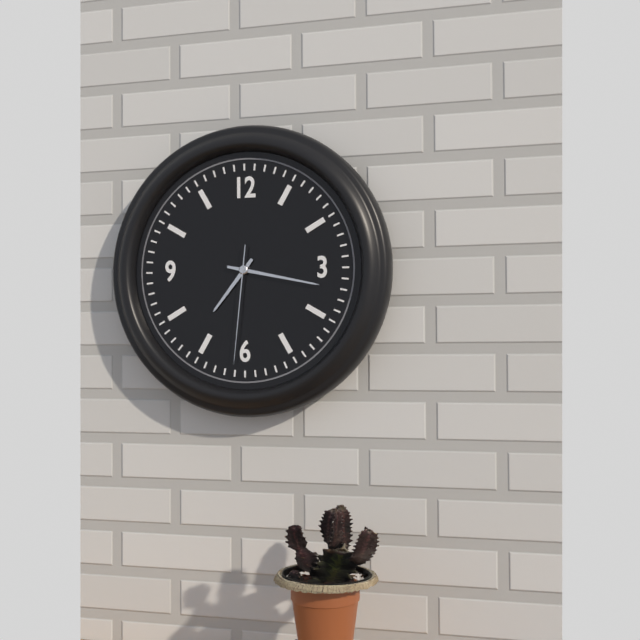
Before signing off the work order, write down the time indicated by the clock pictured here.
7:17:31
